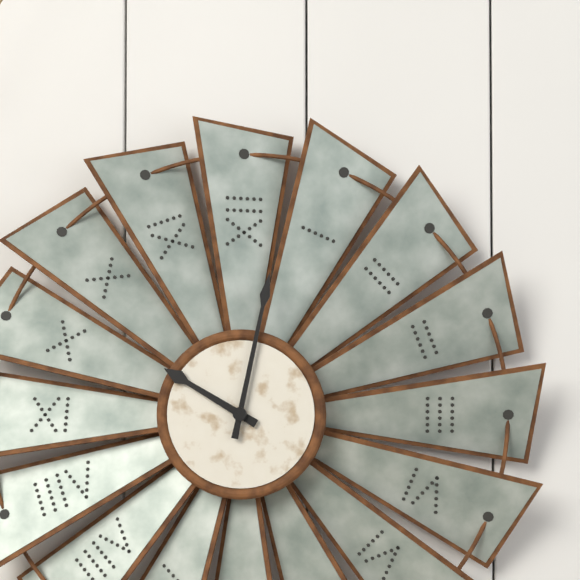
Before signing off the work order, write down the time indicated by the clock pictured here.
10:02
